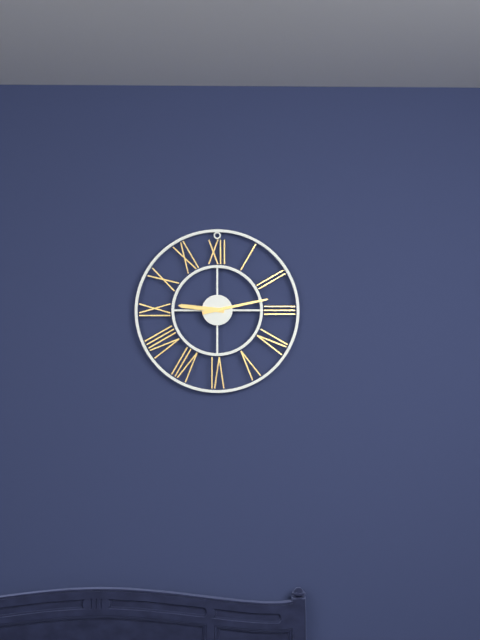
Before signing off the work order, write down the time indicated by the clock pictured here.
9:13
